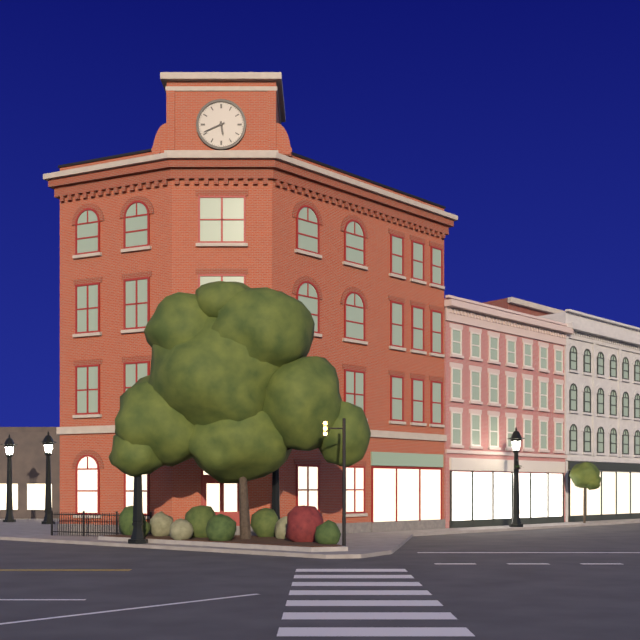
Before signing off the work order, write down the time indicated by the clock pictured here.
5:41
